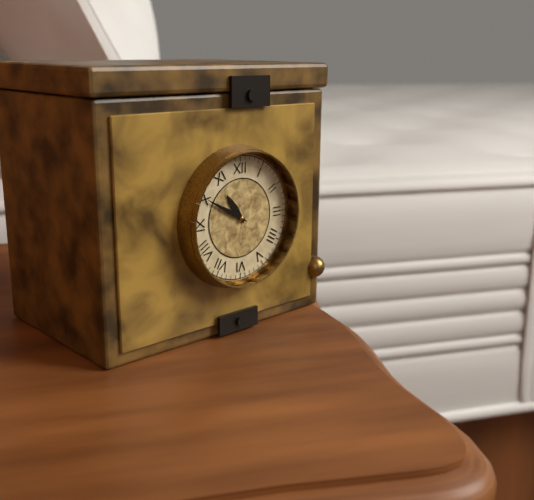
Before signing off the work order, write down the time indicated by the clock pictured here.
10:50
